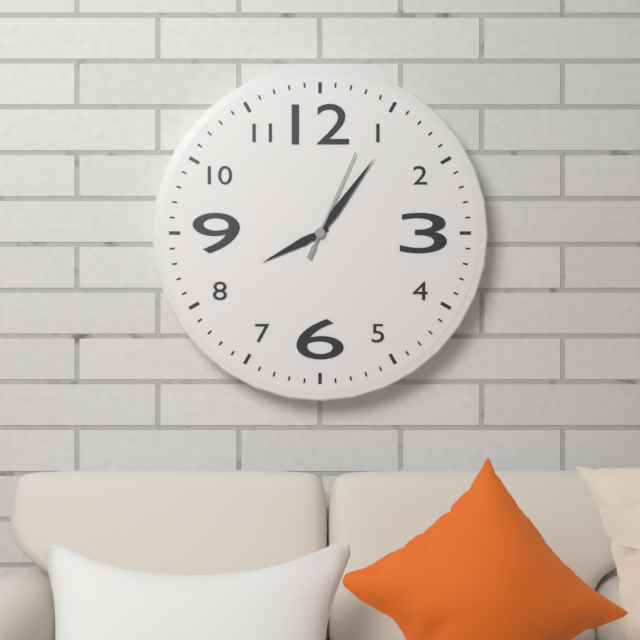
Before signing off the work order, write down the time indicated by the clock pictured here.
8:06:04
